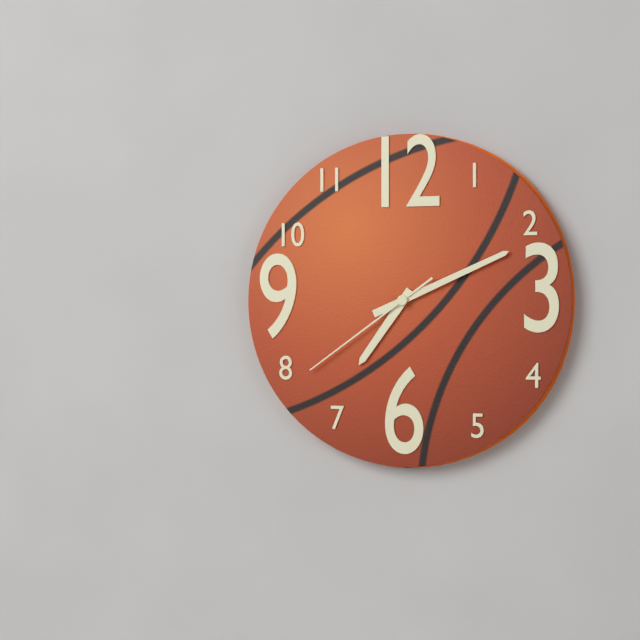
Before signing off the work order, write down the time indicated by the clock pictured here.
7:11:39
